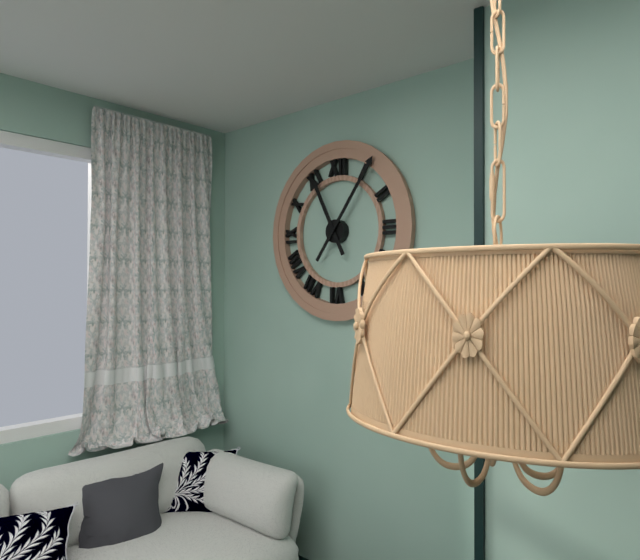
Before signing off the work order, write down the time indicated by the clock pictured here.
11:06
